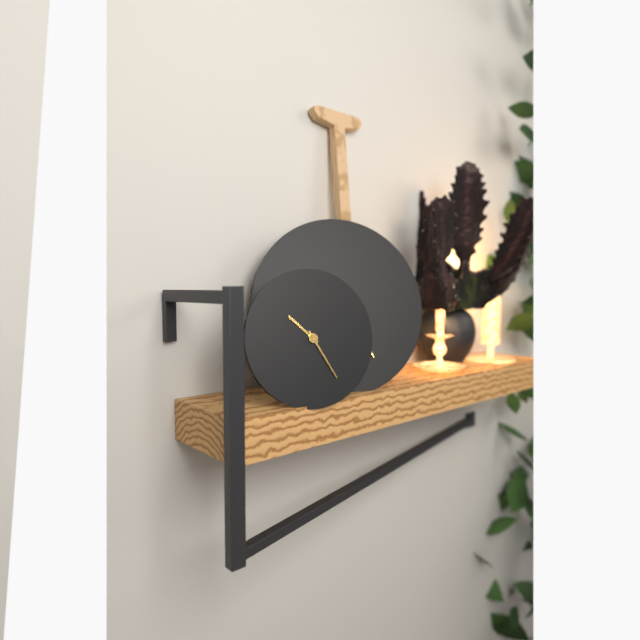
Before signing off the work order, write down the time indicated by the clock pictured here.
10:25
